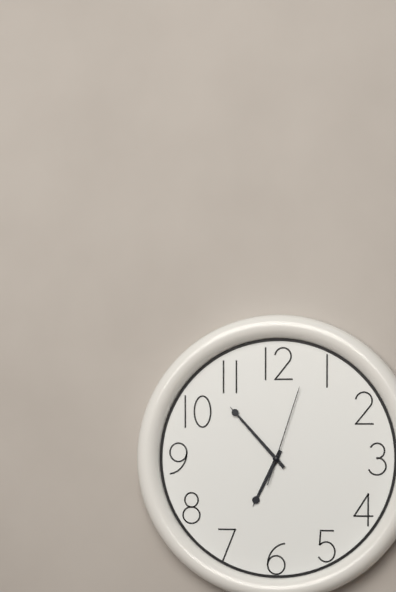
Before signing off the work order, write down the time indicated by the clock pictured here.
6:53:03
